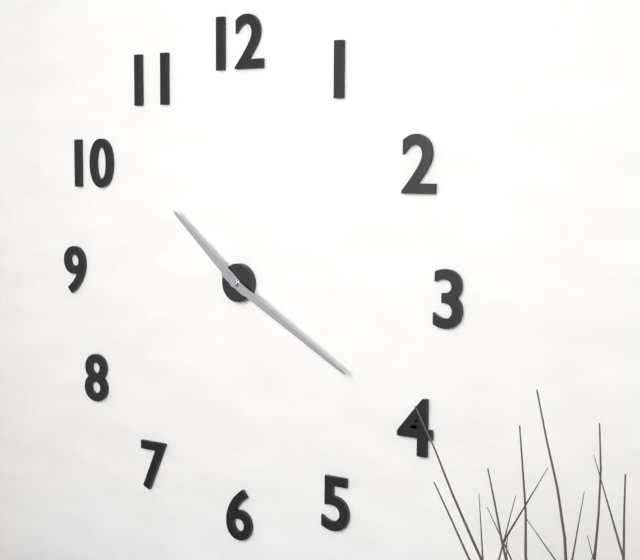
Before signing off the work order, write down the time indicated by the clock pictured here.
10:20
